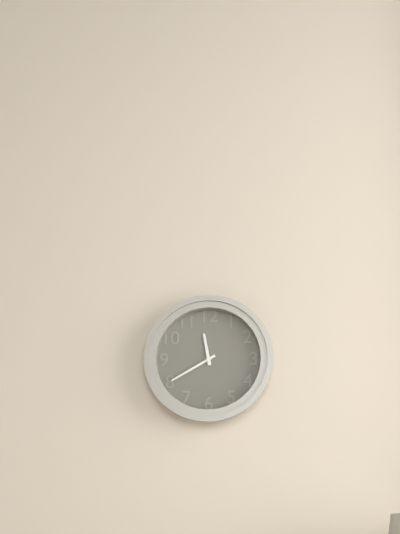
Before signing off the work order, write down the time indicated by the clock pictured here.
11:40
